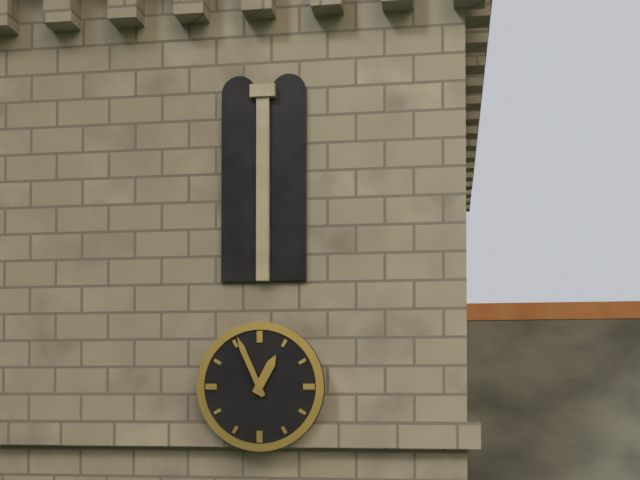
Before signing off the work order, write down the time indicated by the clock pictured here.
12:56
